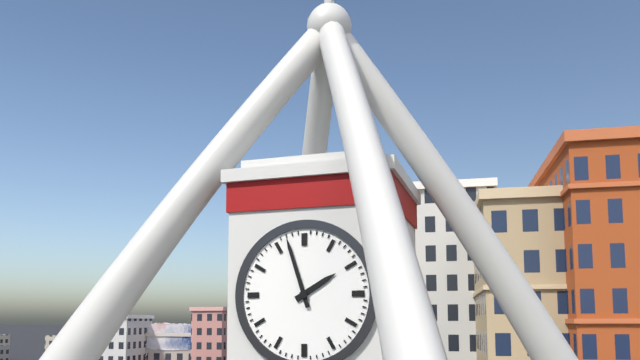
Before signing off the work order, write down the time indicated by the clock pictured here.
1:57
